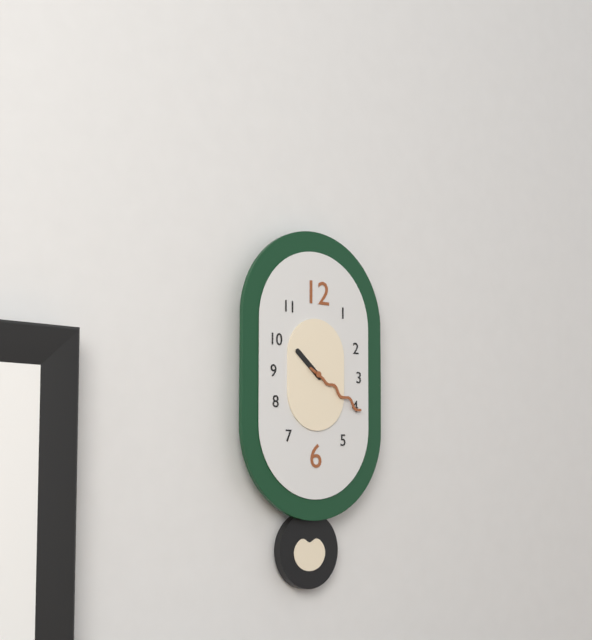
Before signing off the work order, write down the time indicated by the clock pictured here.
10:20
